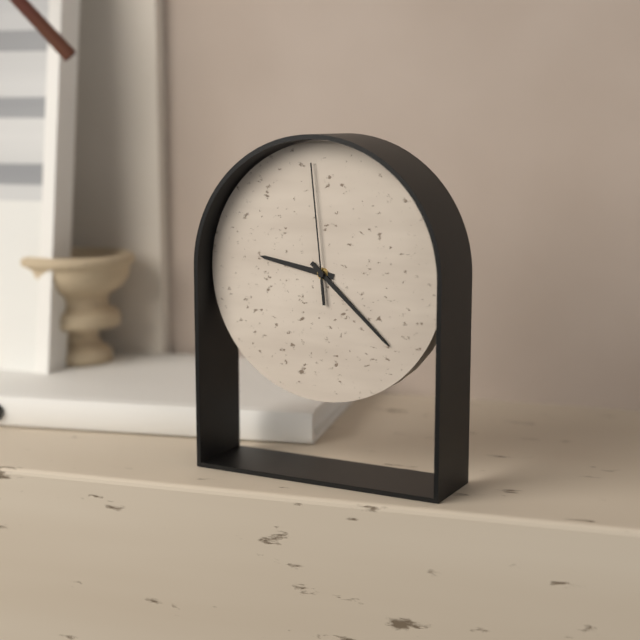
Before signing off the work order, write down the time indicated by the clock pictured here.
9:22:59
